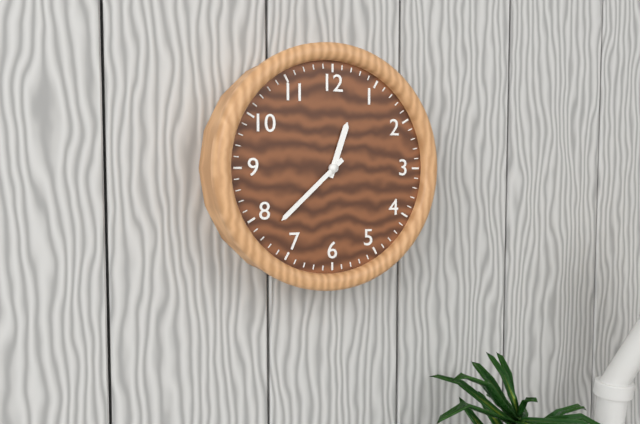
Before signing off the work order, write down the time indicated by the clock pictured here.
12:38
